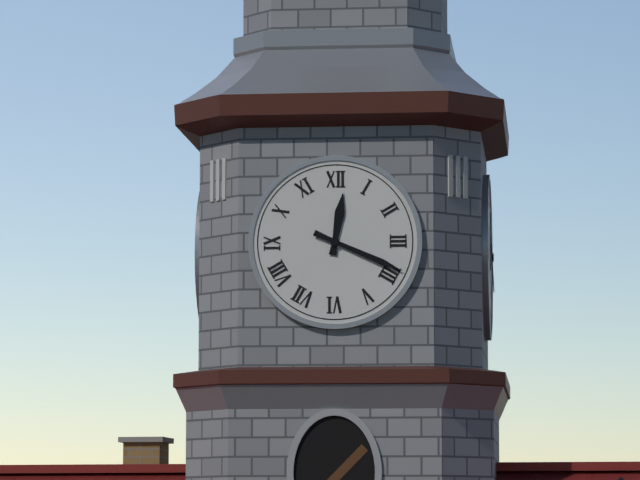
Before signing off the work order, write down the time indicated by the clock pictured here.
12:19
